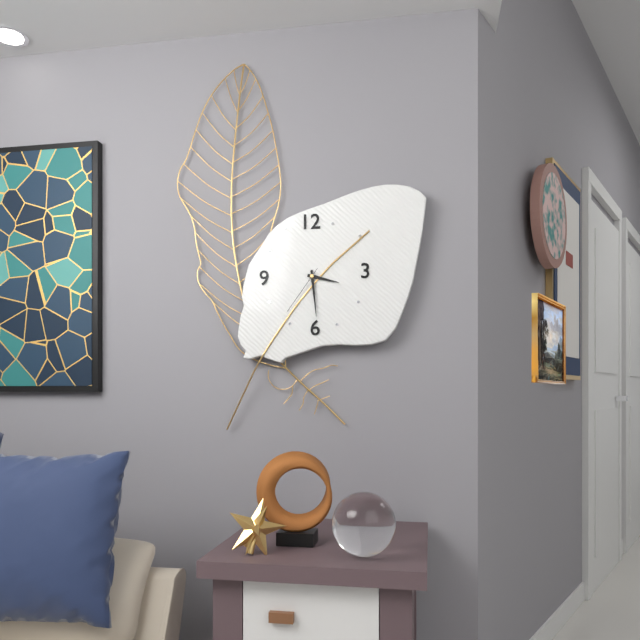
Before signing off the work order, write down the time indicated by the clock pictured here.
3:29:36
